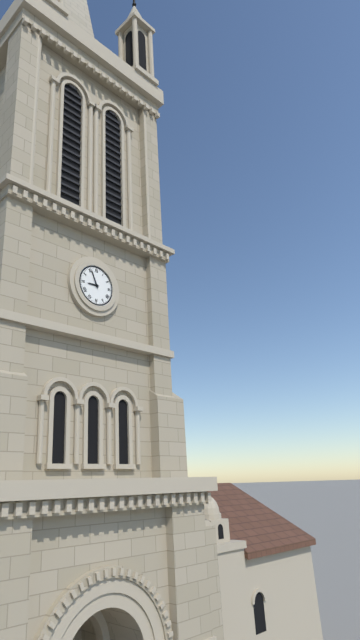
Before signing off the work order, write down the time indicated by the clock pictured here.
8:56
